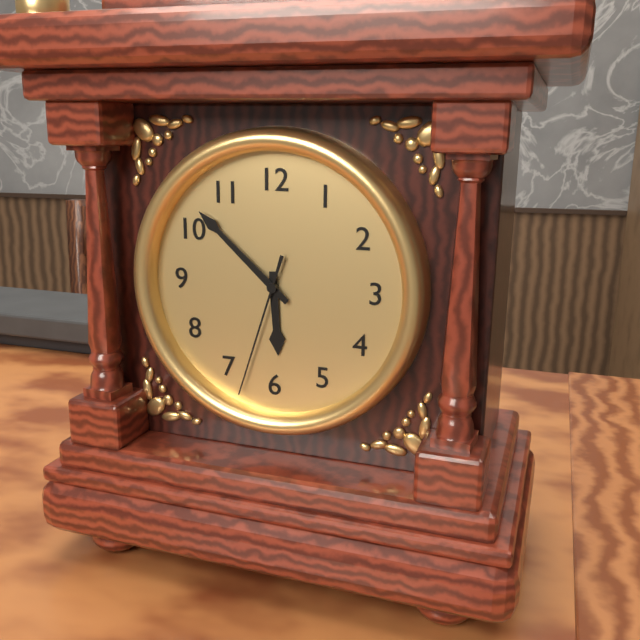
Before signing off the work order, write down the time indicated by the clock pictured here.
5:52:33
